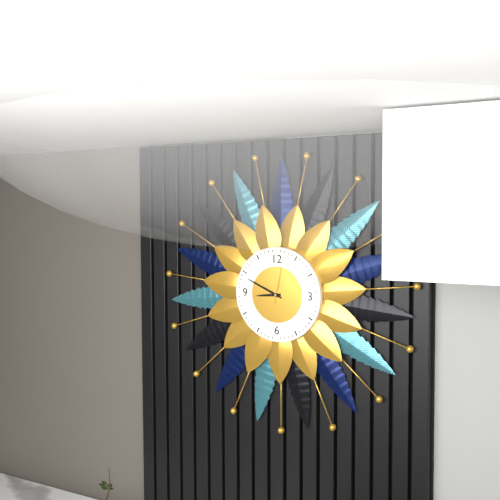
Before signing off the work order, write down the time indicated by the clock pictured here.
8:49:02
